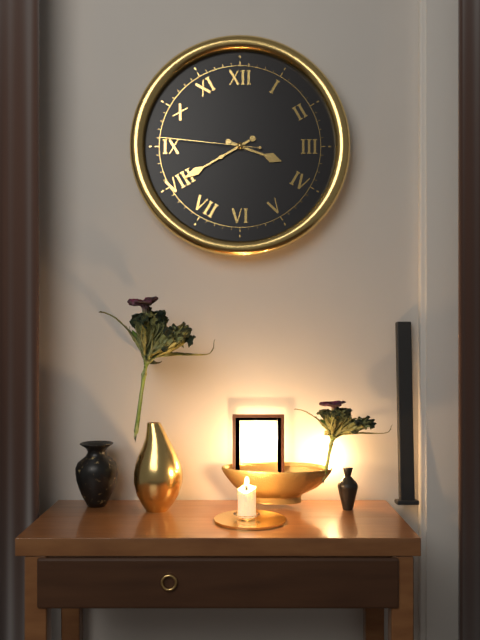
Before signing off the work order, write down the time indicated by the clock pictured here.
3:40:46
